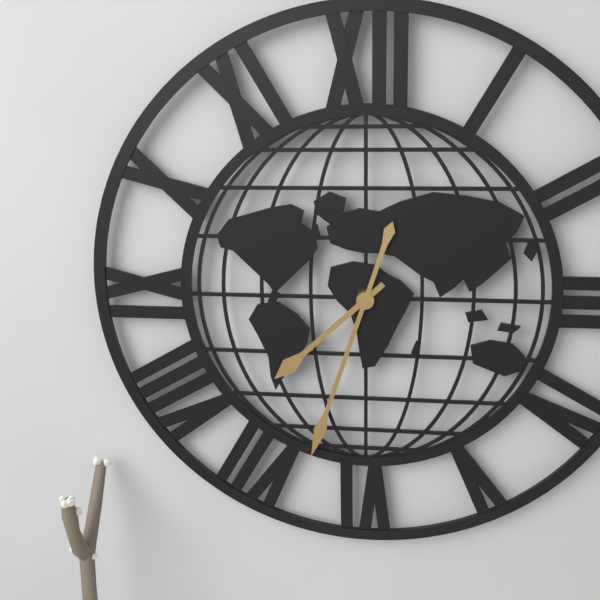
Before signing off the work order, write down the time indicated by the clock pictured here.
7:33
